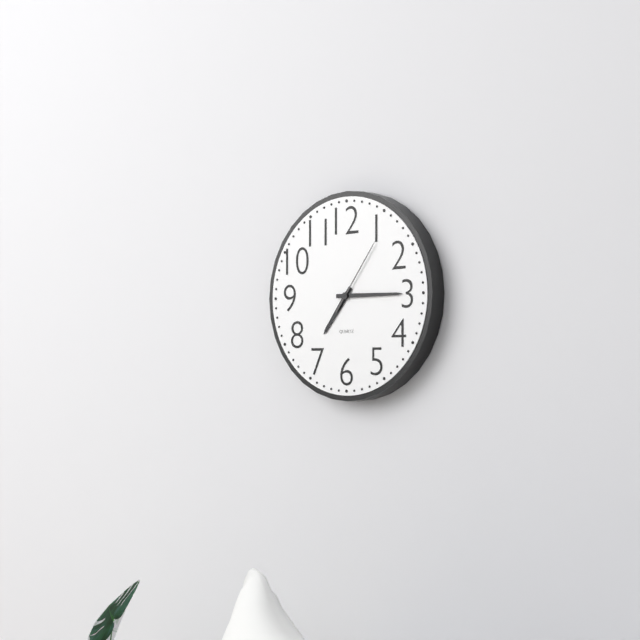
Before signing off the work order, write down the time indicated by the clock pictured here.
7:15:06
